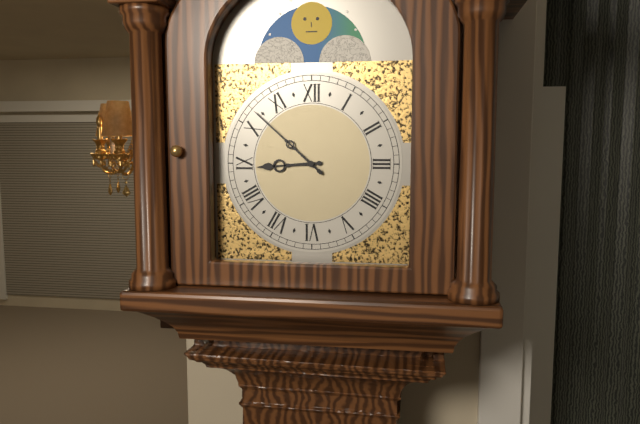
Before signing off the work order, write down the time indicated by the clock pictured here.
8:52
